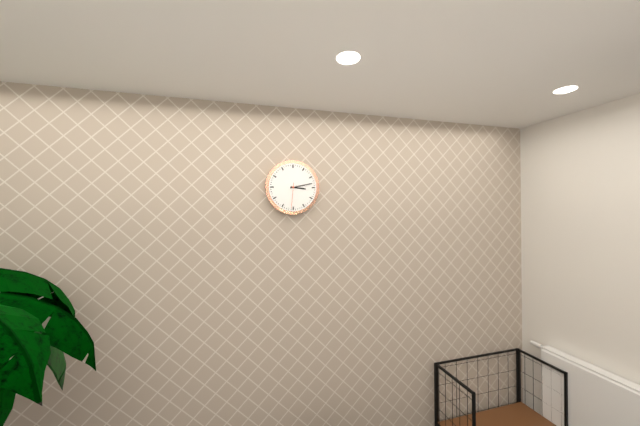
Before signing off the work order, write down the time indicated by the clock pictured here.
3:13
